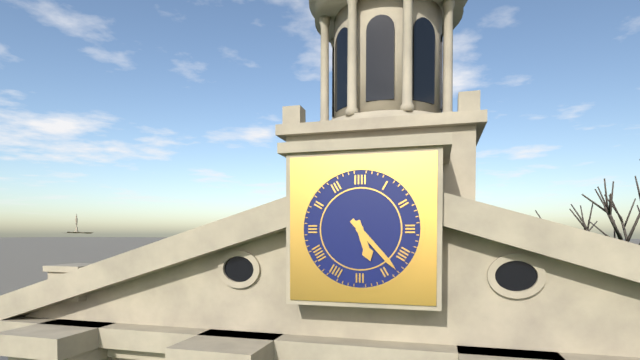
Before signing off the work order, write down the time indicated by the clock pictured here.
5:23
